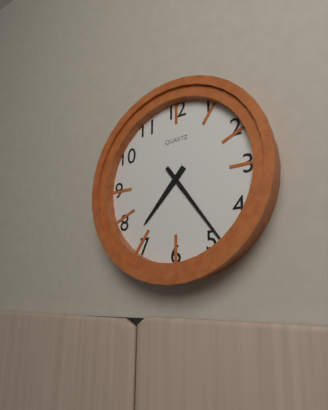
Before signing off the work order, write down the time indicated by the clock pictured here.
7:24
